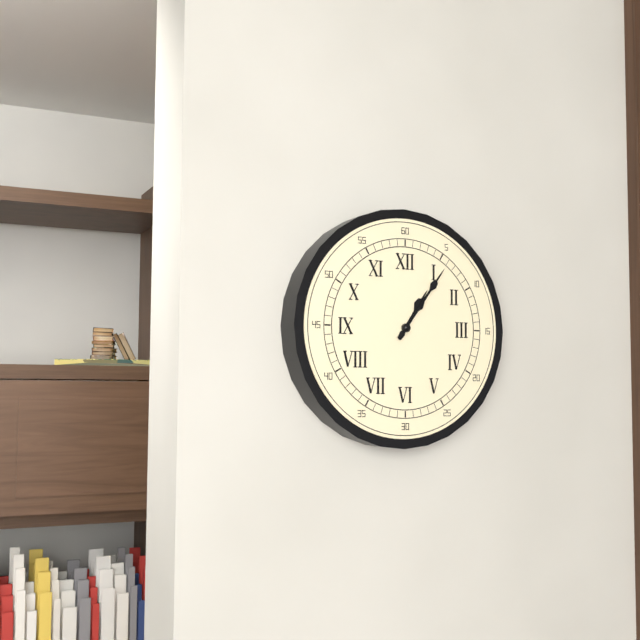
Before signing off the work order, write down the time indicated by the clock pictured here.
1:06
